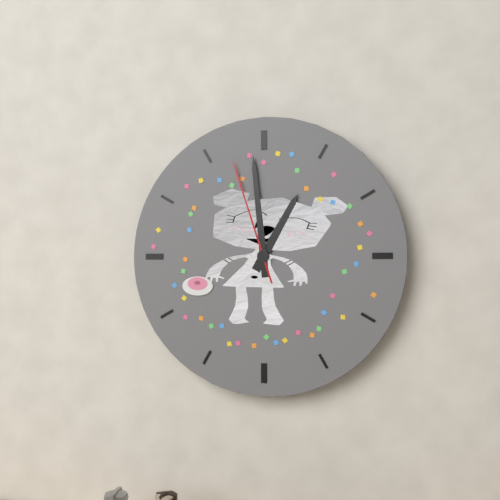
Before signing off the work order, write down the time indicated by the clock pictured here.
12:59:57
